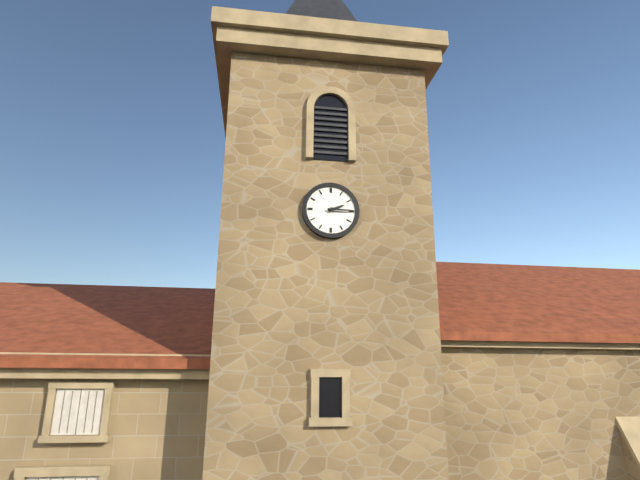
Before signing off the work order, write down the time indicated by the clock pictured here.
2:15
